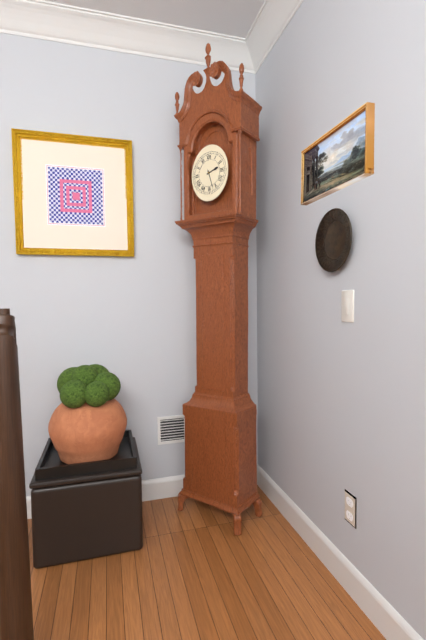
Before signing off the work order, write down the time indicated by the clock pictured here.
2:27
